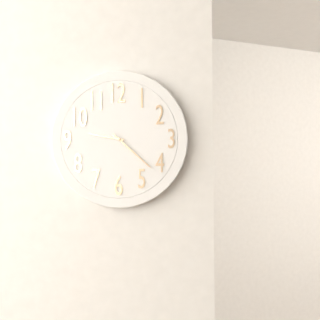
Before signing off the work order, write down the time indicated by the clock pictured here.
9:22
